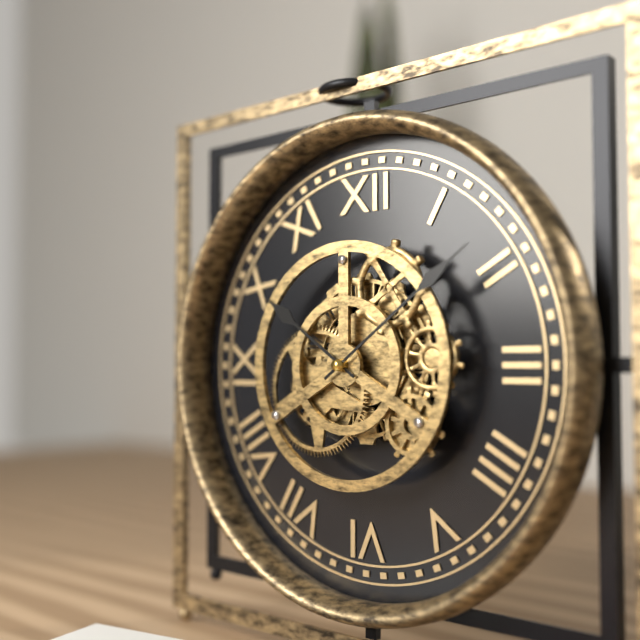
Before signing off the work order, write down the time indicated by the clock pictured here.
10:09
